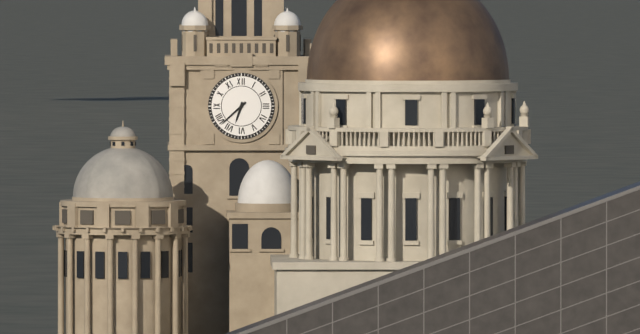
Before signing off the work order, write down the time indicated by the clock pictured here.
6:38
